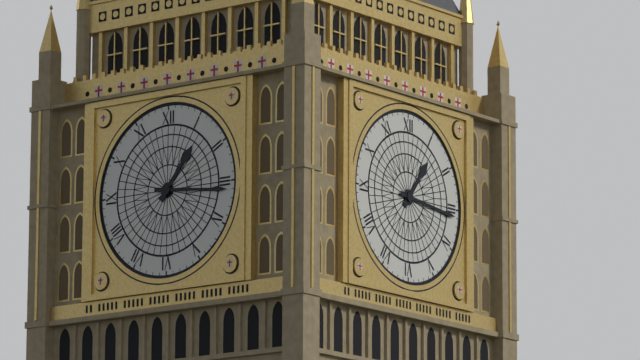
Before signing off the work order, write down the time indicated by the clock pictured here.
1:16
